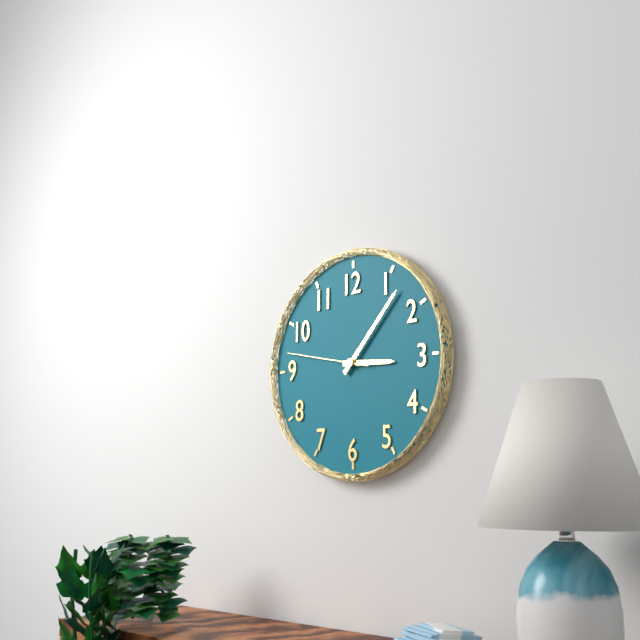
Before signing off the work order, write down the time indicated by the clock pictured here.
3:07:47
